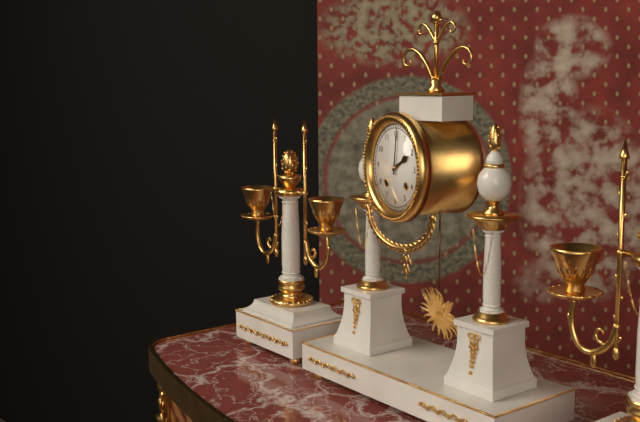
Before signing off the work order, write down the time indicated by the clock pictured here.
2:01
